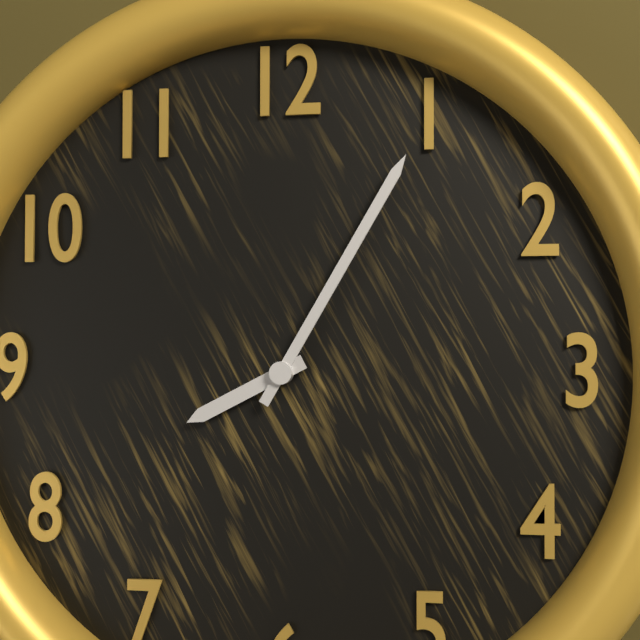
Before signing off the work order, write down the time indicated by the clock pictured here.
8:05
